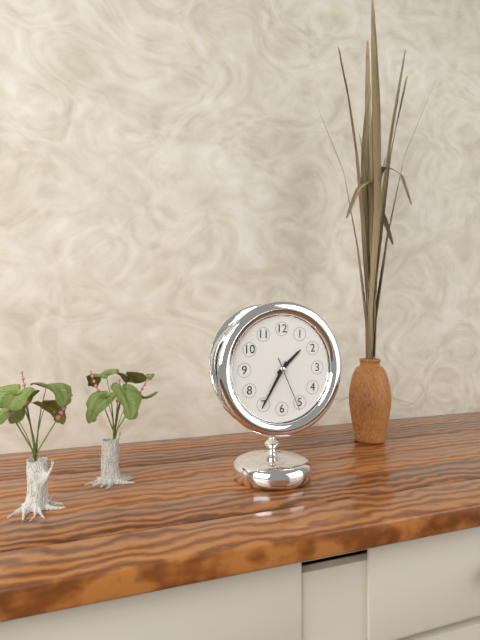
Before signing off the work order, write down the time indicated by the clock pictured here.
1:35:26
